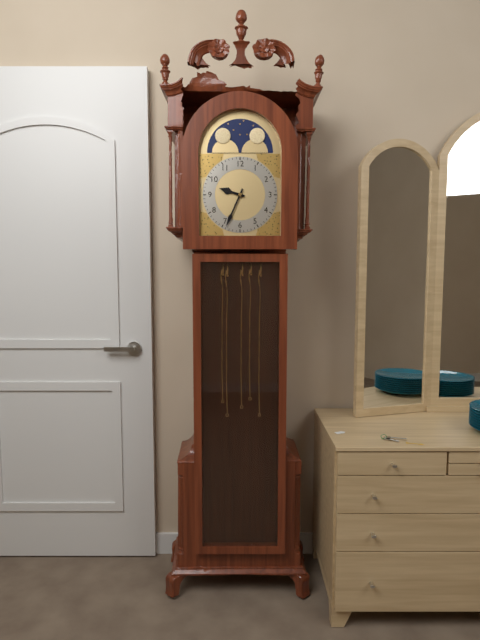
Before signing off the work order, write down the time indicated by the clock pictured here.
9:34
